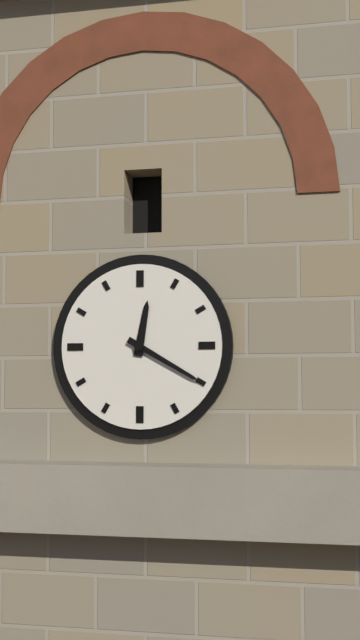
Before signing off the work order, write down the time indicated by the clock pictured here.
12:20
